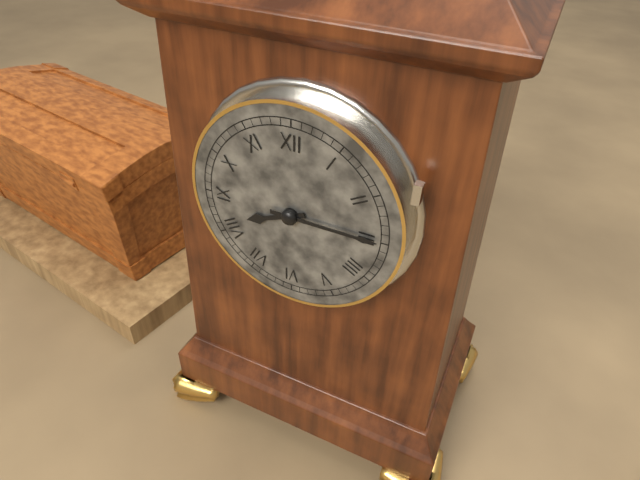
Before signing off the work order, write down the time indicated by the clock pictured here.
8:15
